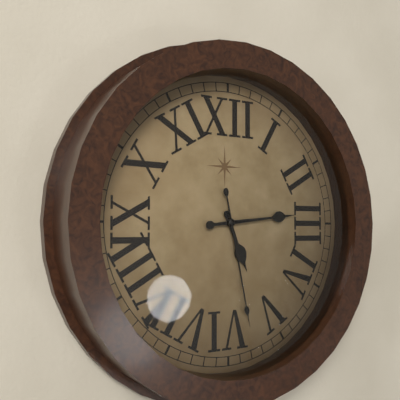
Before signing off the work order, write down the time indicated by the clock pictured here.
5:14:28
